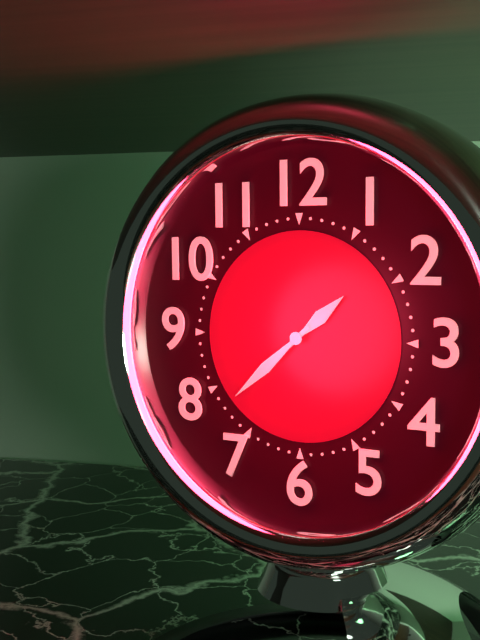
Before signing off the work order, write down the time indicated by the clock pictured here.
1:38
